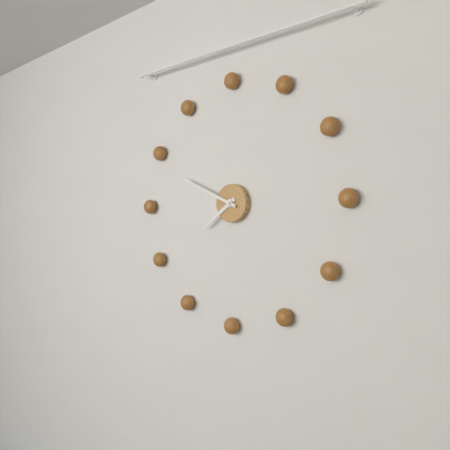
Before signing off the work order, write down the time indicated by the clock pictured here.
7:49
